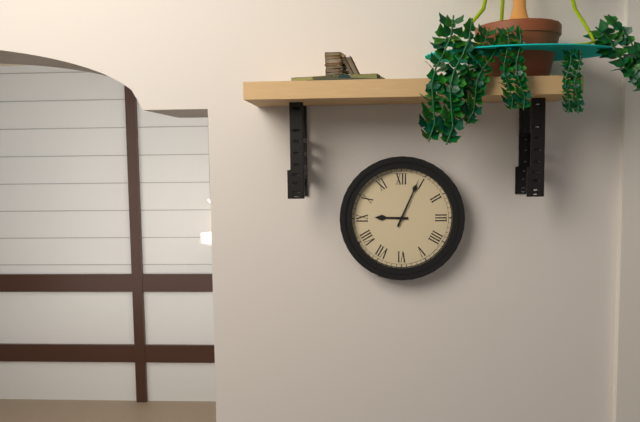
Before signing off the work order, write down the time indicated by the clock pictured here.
9:04
